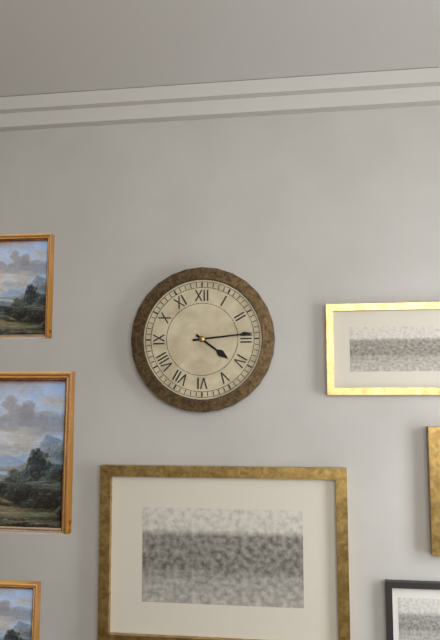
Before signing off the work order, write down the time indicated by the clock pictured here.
4:14
